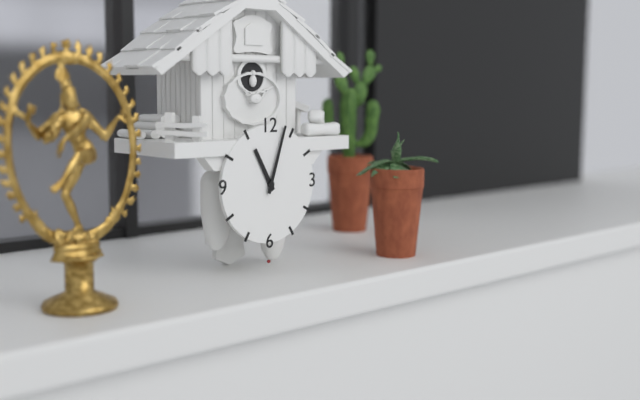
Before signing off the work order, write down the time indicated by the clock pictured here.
11:03
